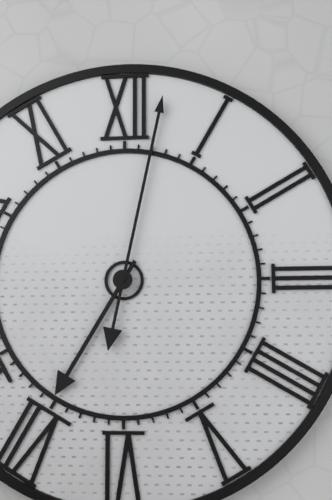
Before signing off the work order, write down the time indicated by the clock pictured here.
7:02
